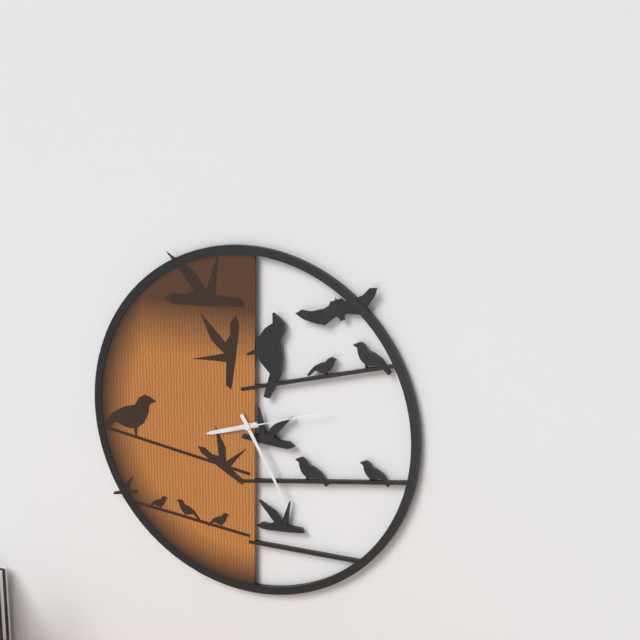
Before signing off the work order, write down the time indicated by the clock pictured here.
8:25:12
